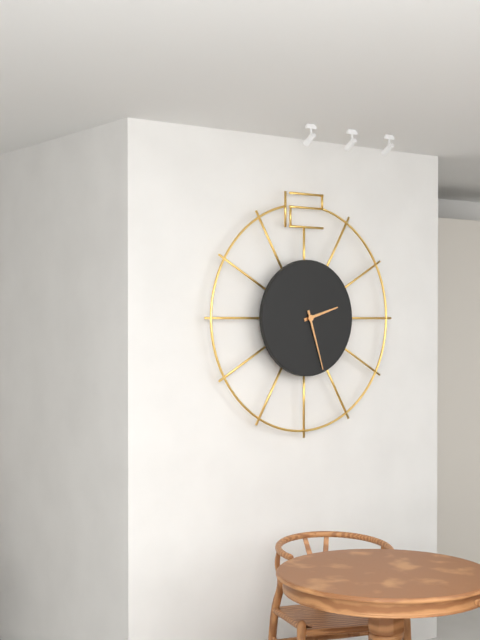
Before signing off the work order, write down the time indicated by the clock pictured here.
2:27
